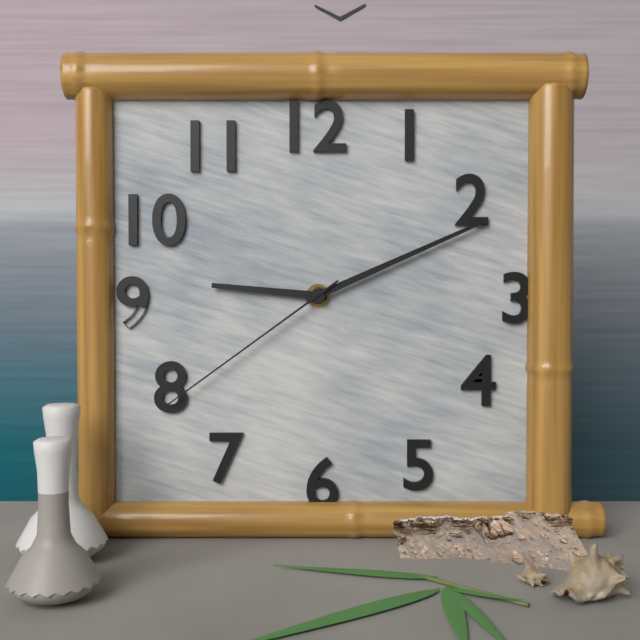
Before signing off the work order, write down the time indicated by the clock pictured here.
9:11:39
